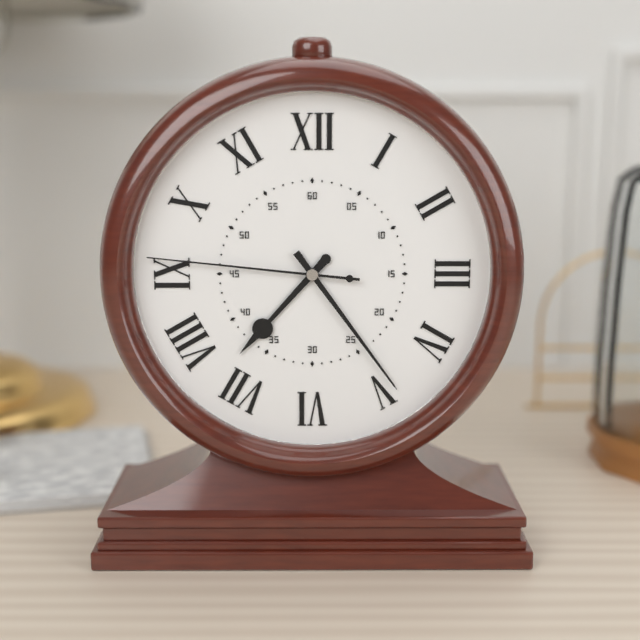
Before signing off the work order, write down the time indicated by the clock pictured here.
7:24:46
